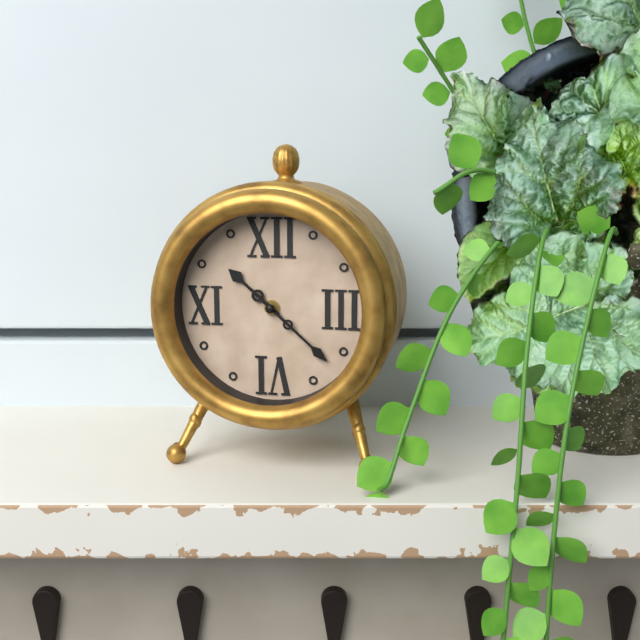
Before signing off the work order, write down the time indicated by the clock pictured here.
10:22
